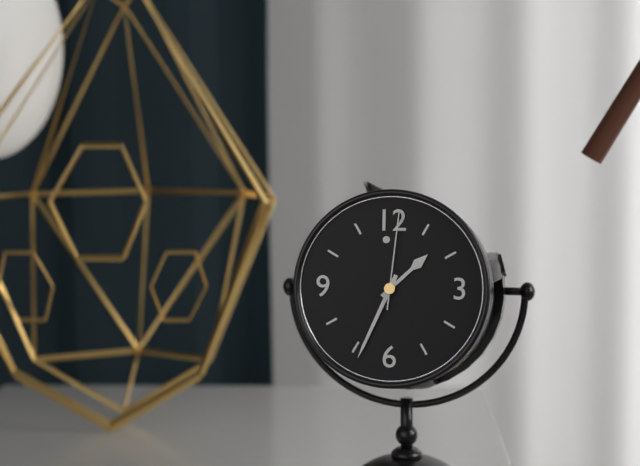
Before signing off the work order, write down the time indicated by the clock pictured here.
1:34:01
